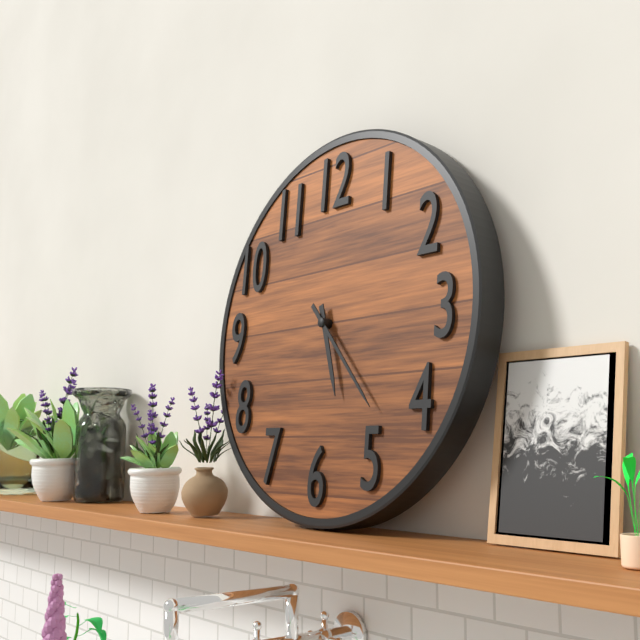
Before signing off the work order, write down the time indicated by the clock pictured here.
5:23
